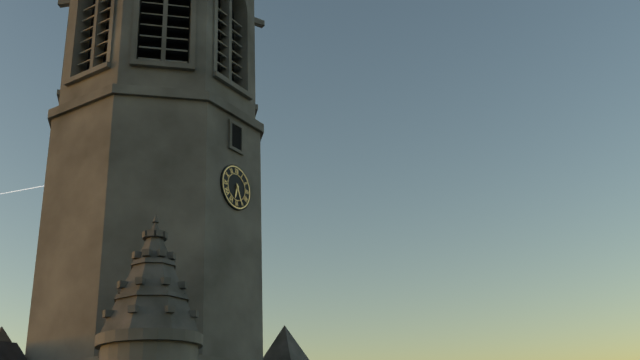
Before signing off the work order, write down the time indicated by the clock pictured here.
6:26
